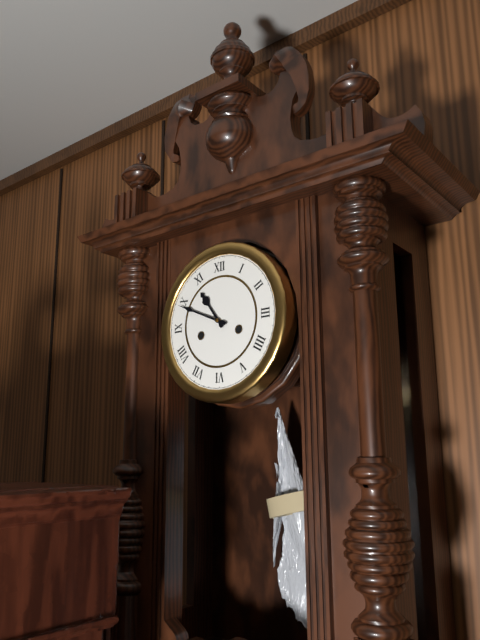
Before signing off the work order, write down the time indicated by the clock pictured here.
10:49
